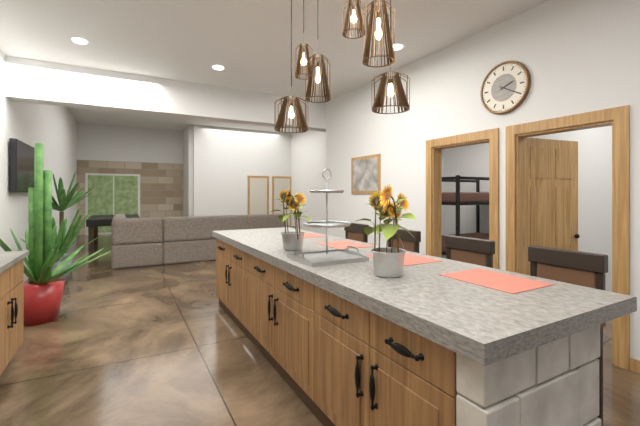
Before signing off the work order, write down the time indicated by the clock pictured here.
2:20
